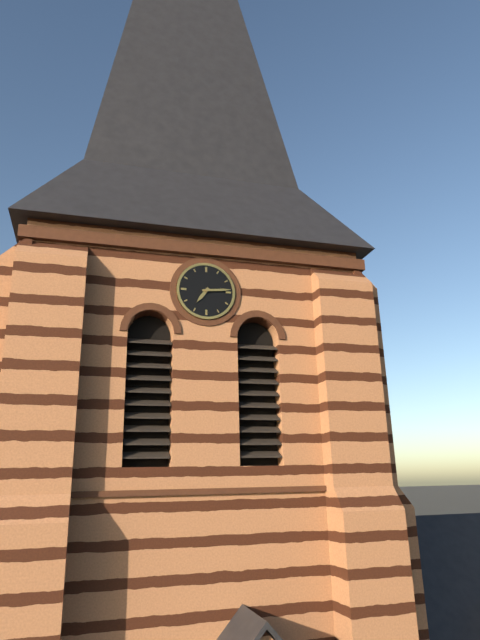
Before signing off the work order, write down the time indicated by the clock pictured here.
7:14
